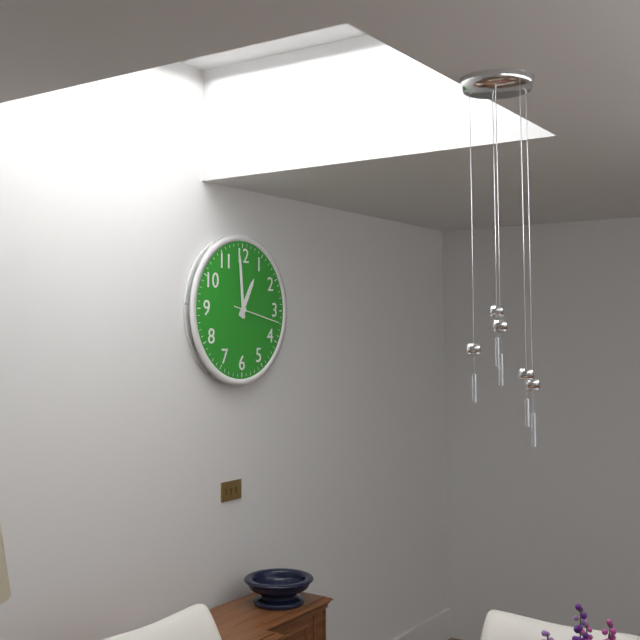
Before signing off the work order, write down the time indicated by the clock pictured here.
12:59
